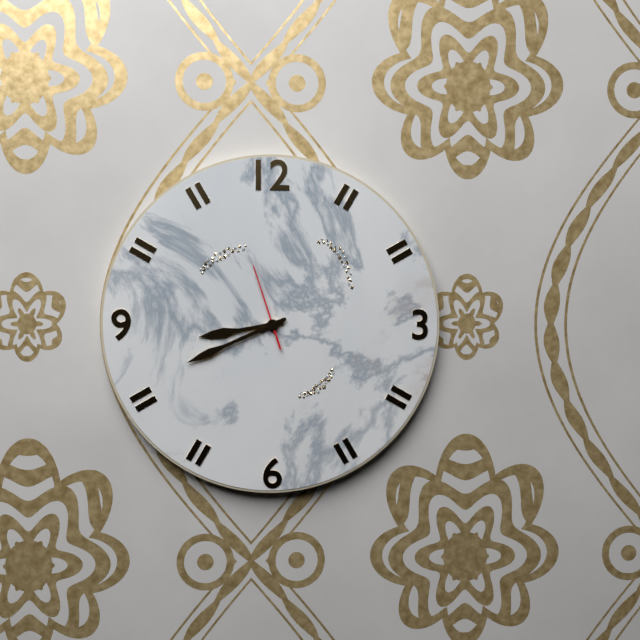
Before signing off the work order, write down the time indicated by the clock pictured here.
8:41:57
